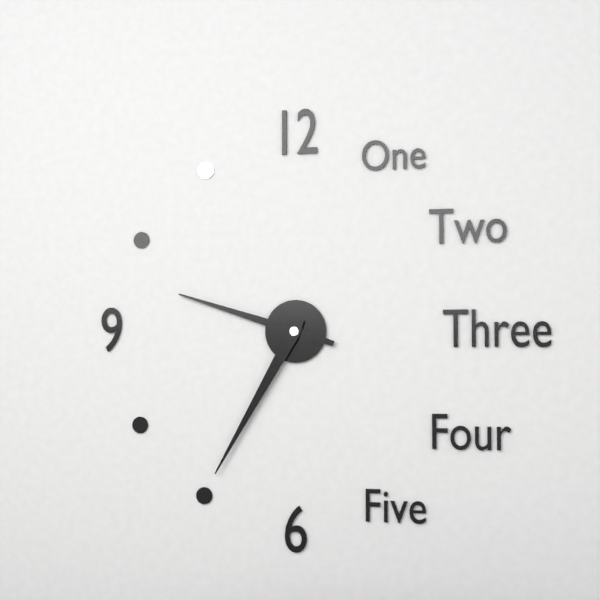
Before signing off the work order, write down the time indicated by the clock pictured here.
9:35
